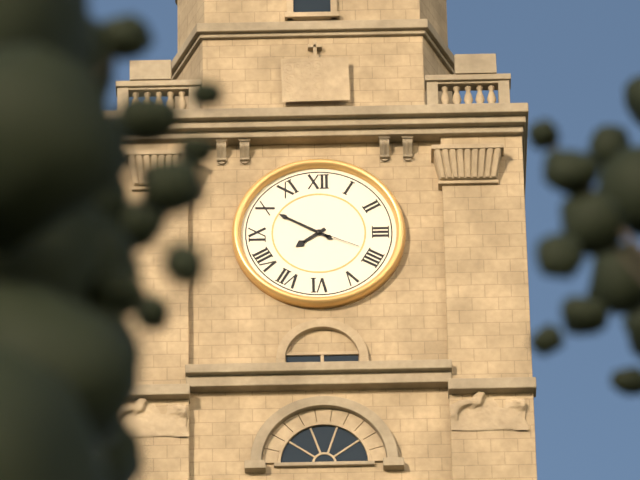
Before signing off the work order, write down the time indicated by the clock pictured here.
7:50:19
